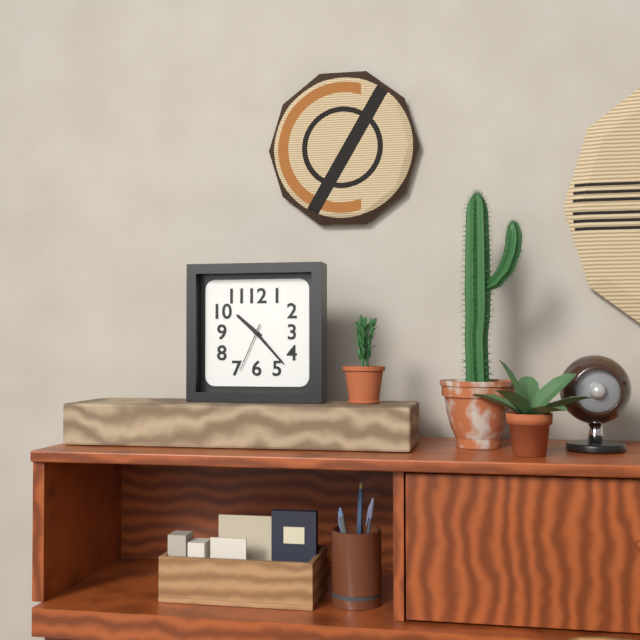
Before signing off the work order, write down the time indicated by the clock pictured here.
10:23:34
